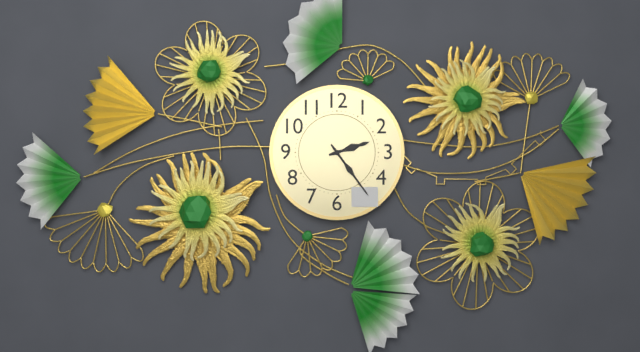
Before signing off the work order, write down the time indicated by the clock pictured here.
2:24
